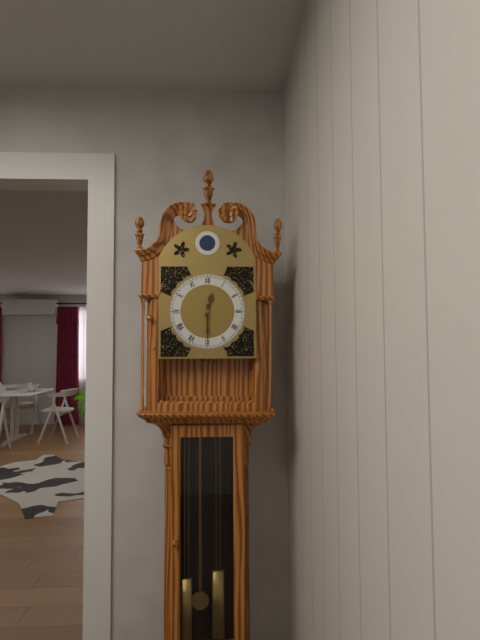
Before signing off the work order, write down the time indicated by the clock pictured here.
12:30
